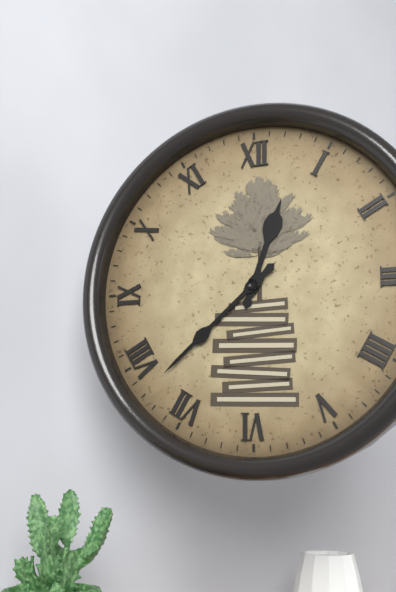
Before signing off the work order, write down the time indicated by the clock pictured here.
12:38
